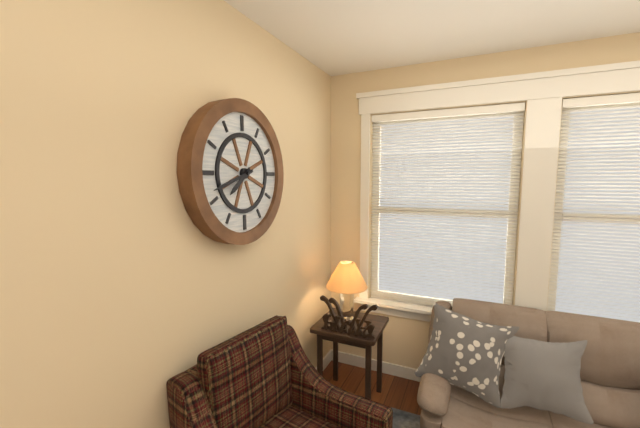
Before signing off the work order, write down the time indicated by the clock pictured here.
7:42
